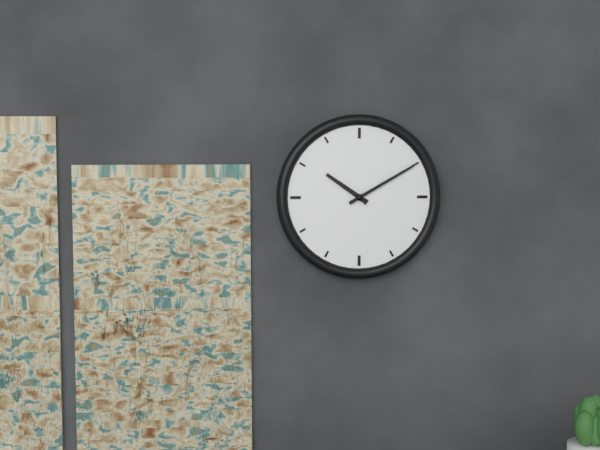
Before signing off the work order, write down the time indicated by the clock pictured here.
10:10
